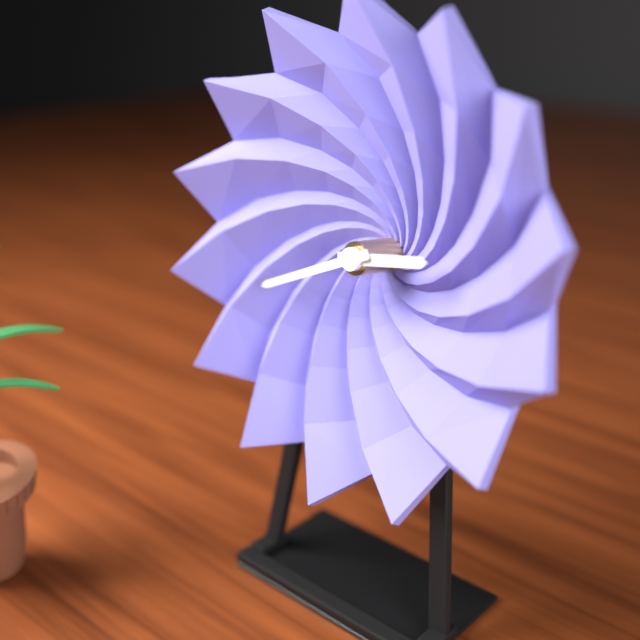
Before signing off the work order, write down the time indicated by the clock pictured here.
2:41
